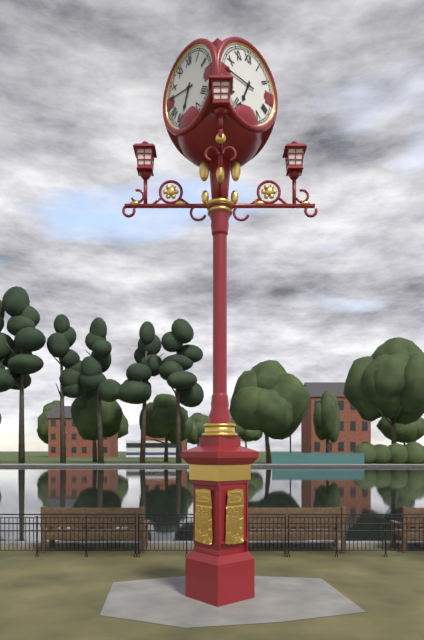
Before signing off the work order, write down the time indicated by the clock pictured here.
6:46
